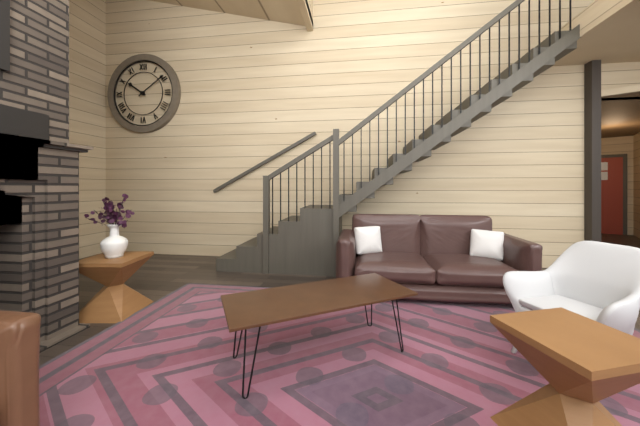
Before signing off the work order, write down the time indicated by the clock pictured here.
10:09
